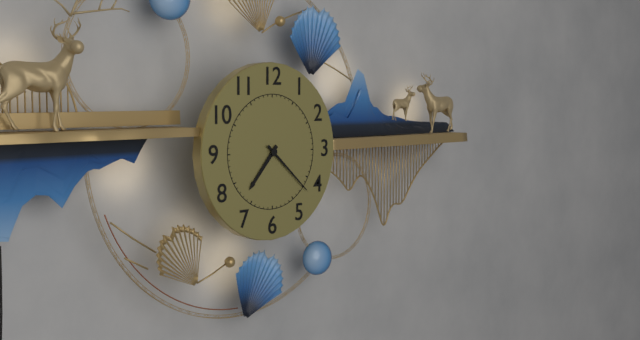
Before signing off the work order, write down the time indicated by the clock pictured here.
7:22
